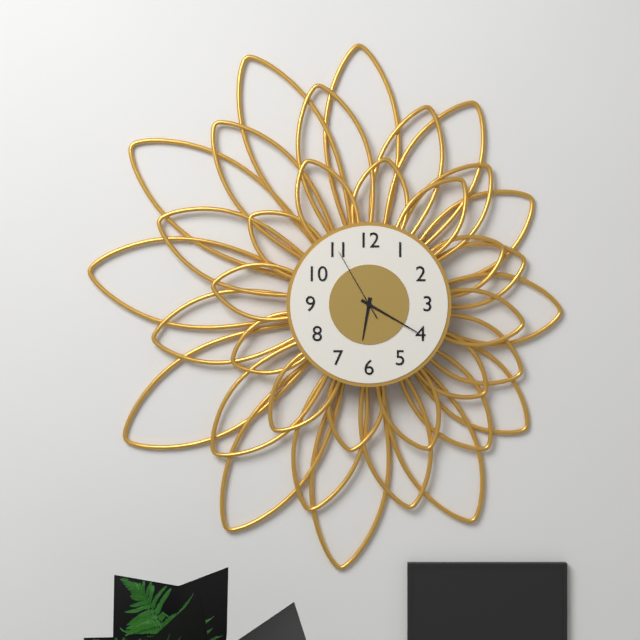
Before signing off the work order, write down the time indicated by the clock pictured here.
6:20:55
